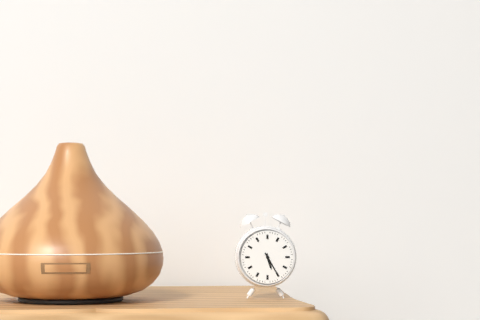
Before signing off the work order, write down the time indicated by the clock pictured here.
5:25
